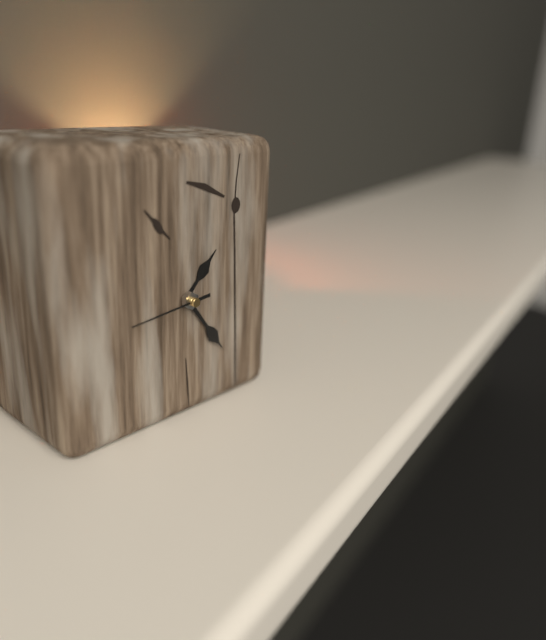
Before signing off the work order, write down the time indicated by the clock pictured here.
1:24:44
